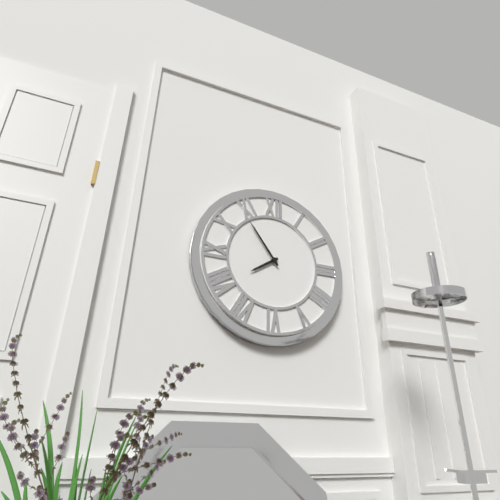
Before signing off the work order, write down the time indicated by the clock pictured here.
7:54
